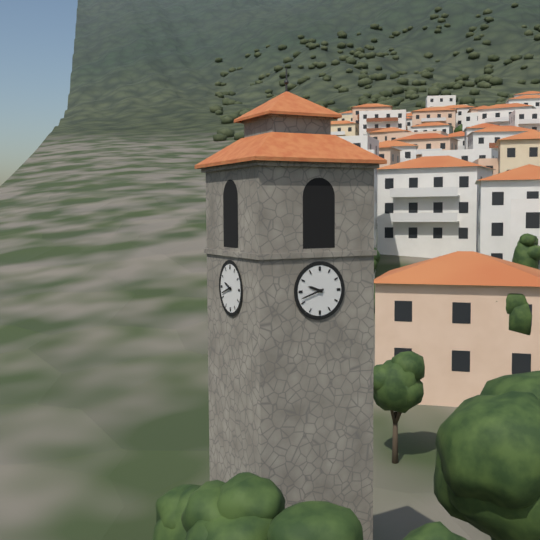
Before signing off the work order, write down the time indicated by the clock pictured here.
9:42
